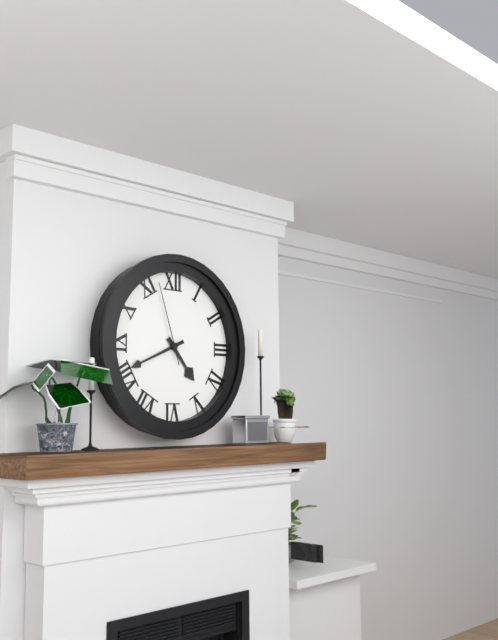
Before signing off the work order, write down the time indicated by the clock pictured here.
4:41:57
